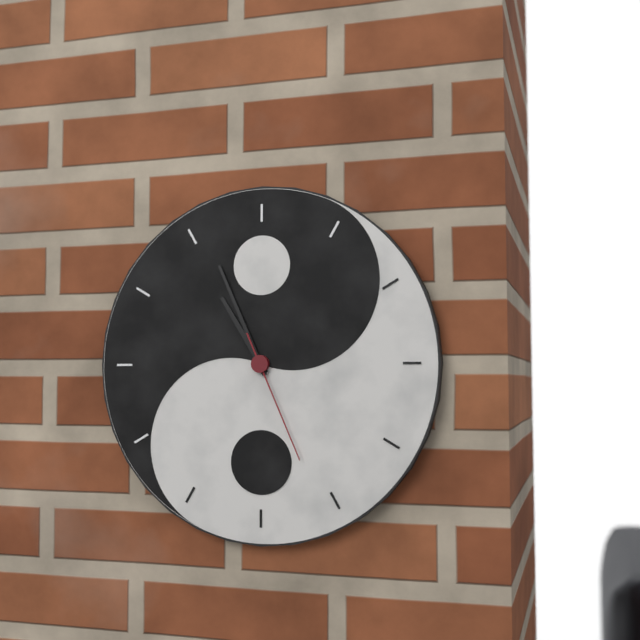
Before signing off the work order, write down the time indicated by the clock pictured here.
10:56:26
